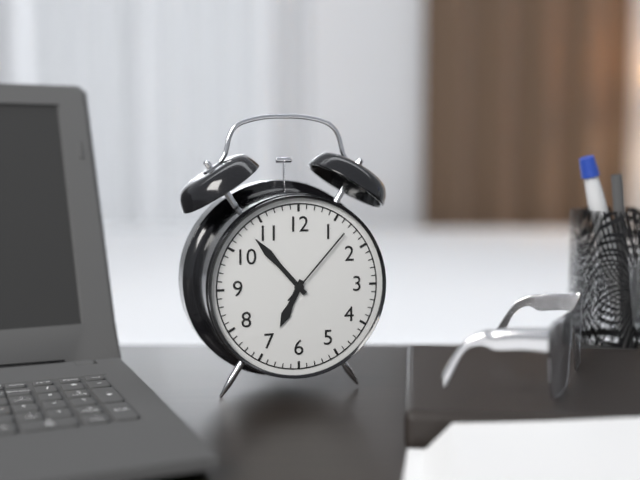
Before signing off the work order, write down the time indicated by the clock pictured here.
6:53:07
